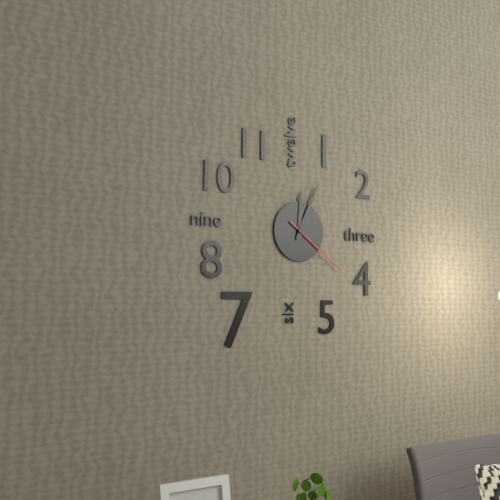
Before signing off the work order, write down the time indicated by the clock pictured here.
12:04:21
